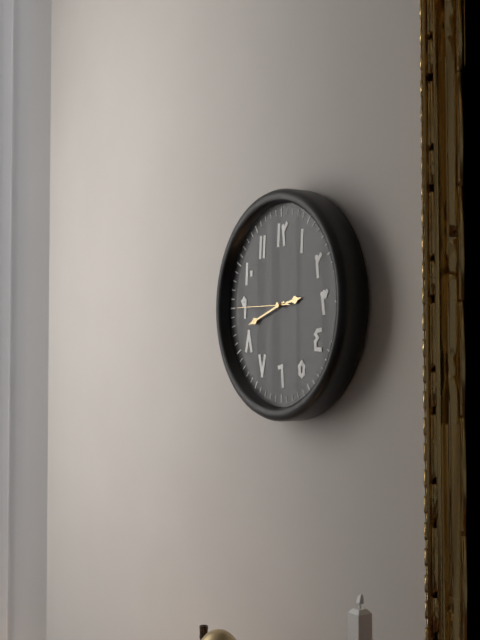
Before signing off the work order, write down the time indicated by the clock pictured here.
2:42:45
